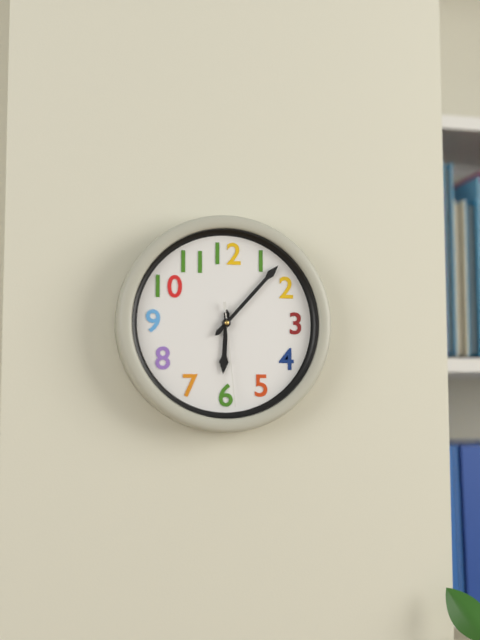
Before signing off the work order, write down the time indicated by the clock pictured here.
6:07:29
